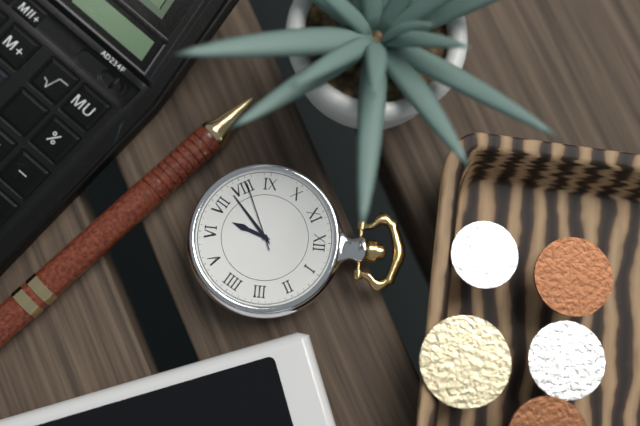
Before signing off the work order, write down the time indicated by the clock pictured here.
6:38:41
